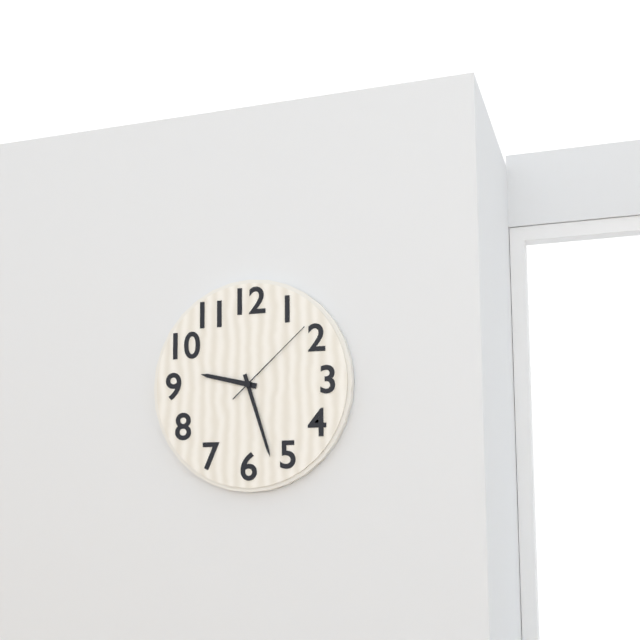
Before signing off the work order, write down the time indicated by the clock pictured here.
9:27:08
